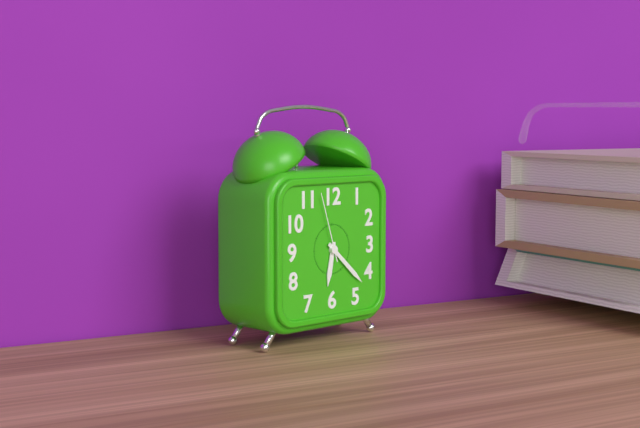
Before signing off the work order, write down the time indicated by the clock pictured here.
6:22:57
